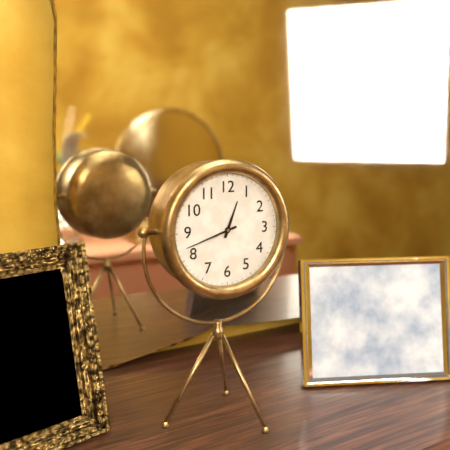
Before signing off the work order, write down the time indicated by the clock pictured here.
12:42
